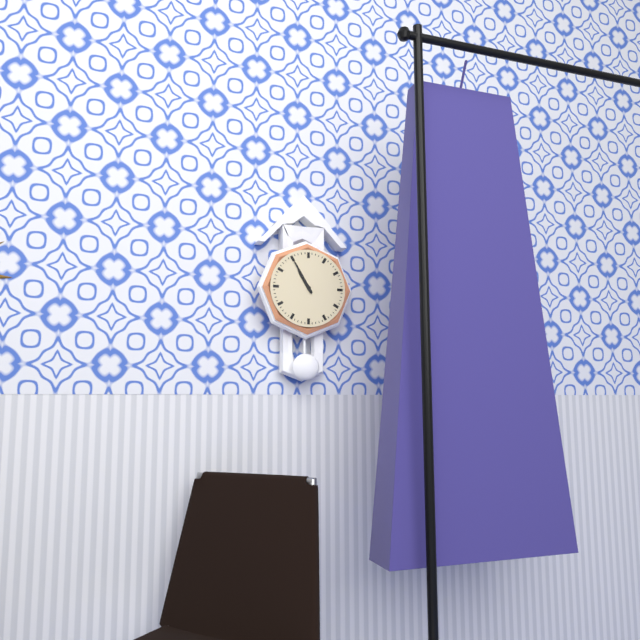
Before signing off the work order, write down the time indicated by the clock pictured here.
10:55
